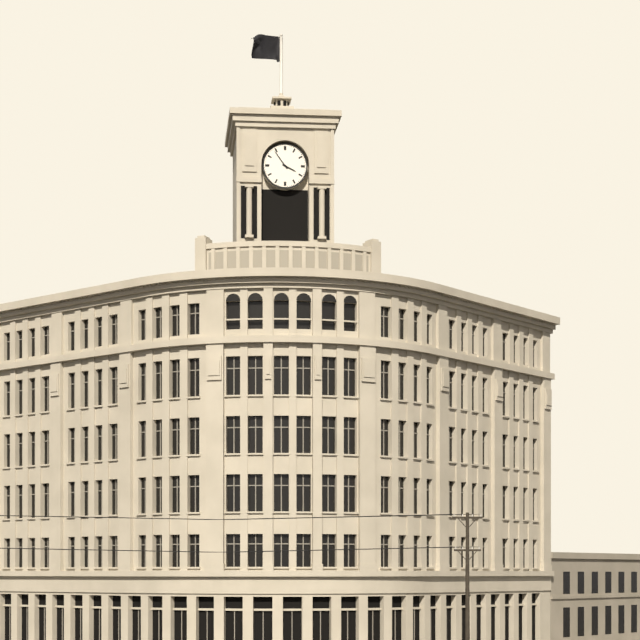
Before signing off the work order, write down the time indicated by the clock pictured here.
3:54
